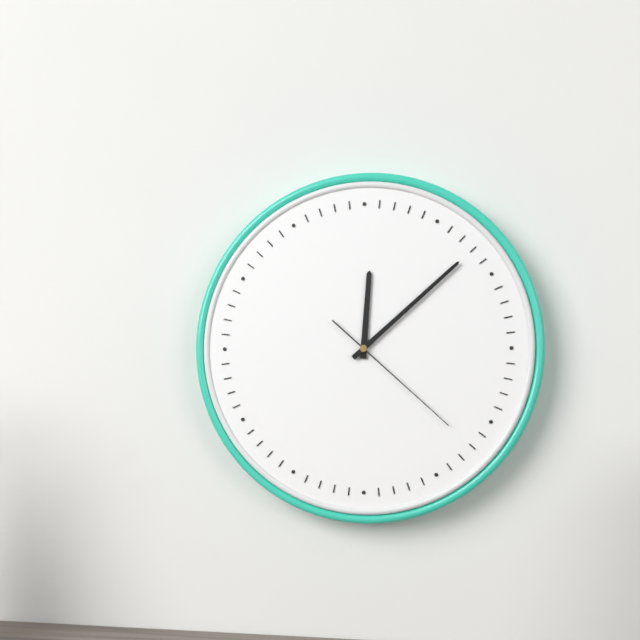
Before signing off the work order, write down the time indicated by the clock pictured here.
12:08:22
